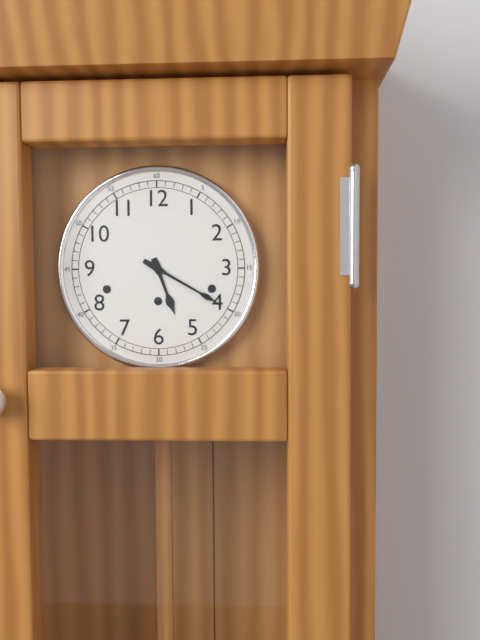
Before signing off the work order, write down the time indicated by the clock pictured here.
5:20
